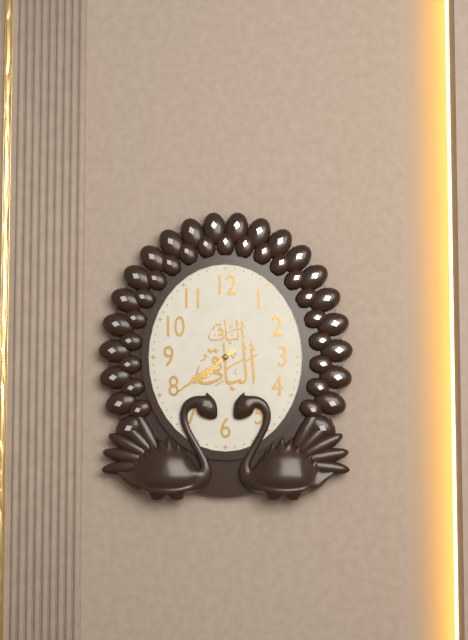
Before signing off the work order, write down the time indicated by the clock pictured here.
7:39
